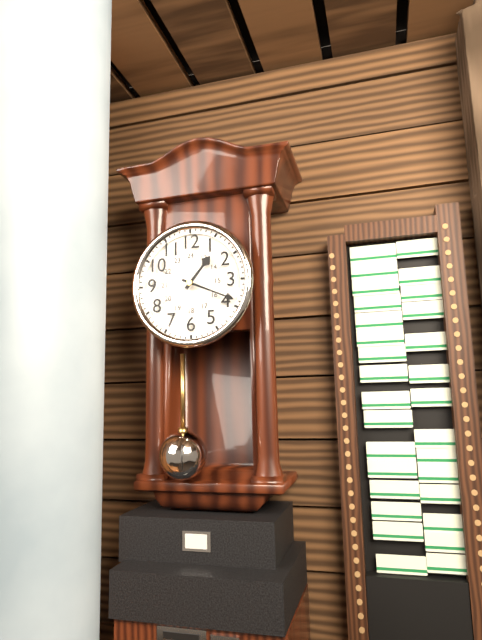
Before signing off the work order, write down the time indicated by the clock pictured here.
1:19
